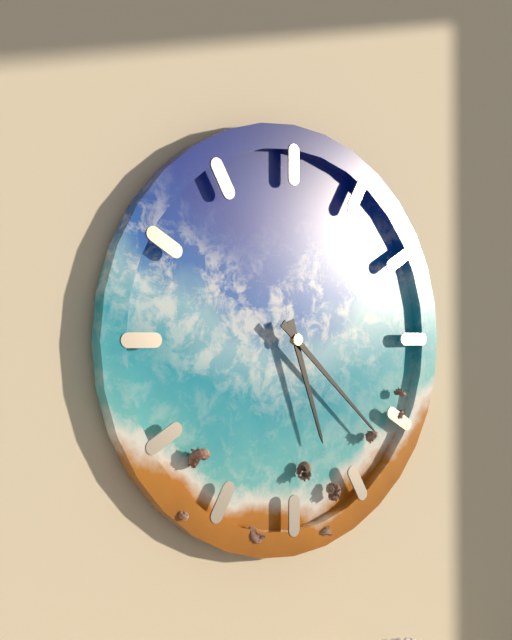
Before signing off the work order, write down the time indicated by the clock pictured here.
5:22
